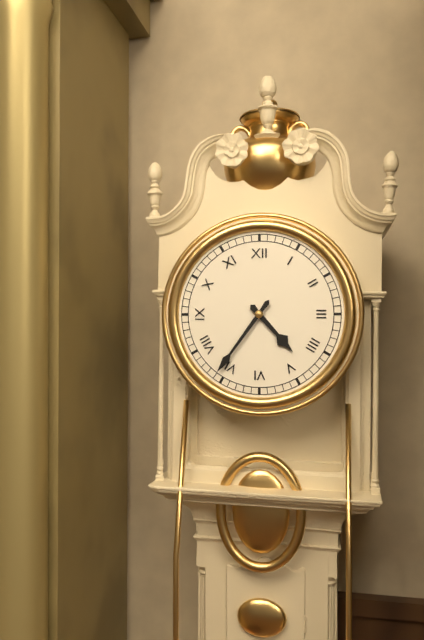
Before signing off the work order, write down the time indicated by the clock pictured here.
4:36
